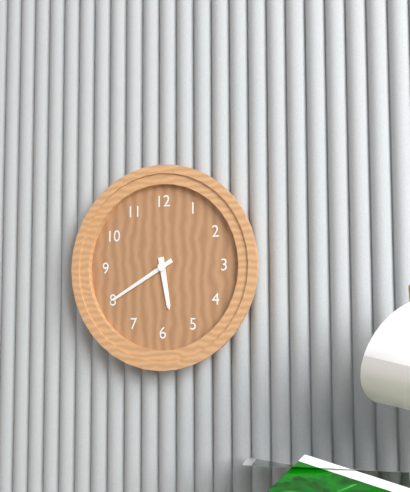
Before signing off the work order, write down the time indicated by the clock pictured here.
5:40
